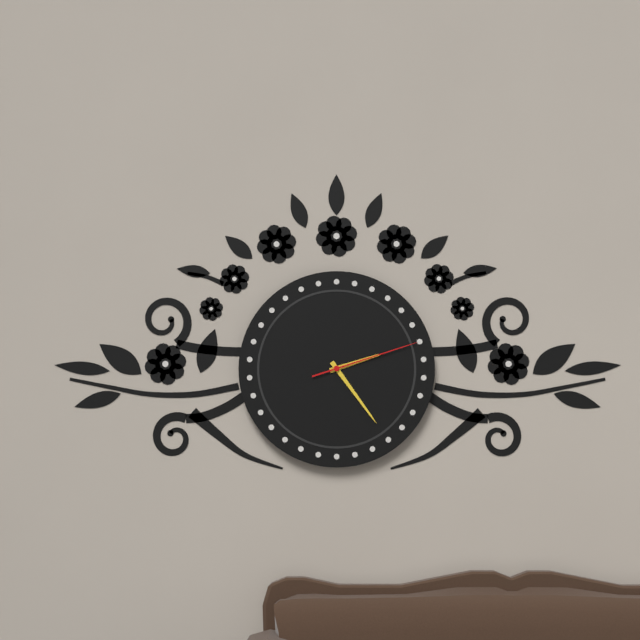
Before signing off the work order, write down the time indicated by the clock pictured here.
2:24:12
